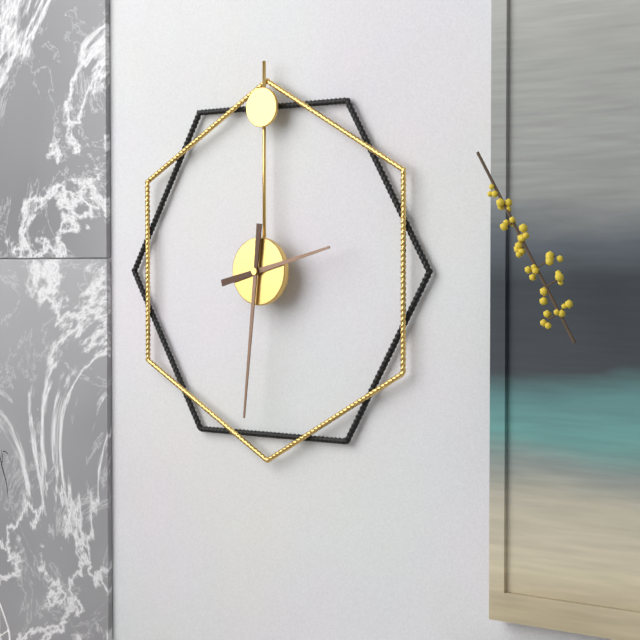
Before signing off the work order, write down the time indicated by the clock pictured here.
2:31
